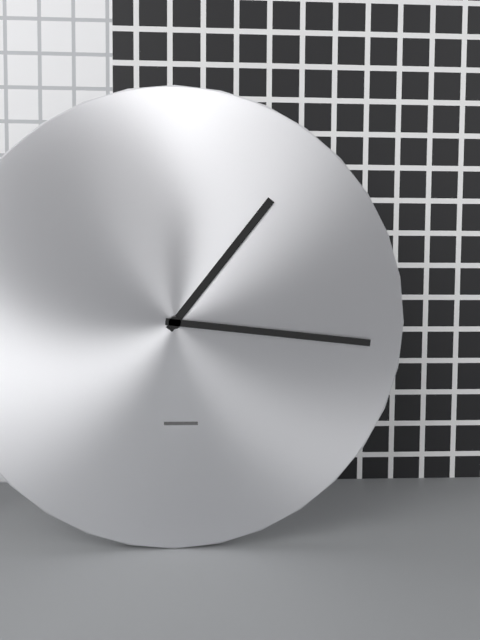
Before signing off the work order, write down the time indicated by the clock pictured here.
1:16
